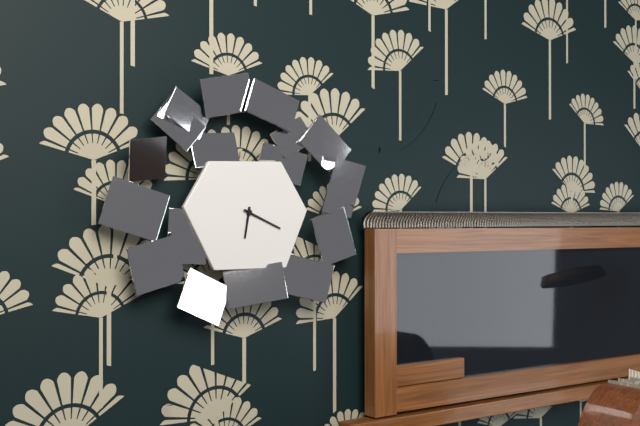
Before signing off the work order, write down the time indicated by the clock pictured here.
6:19
